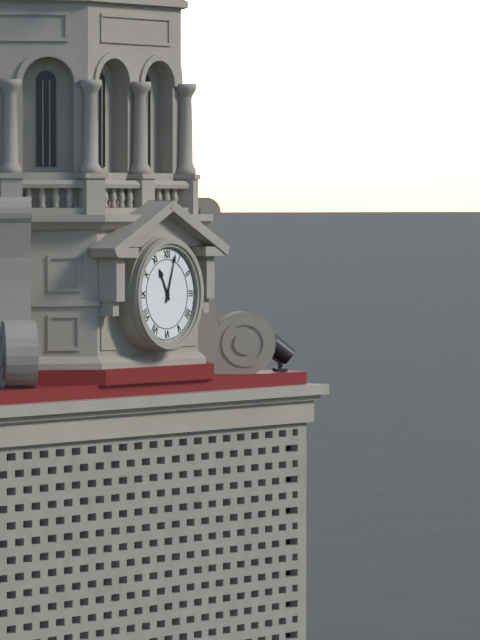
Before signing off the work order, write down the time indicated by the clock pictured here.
11:03
